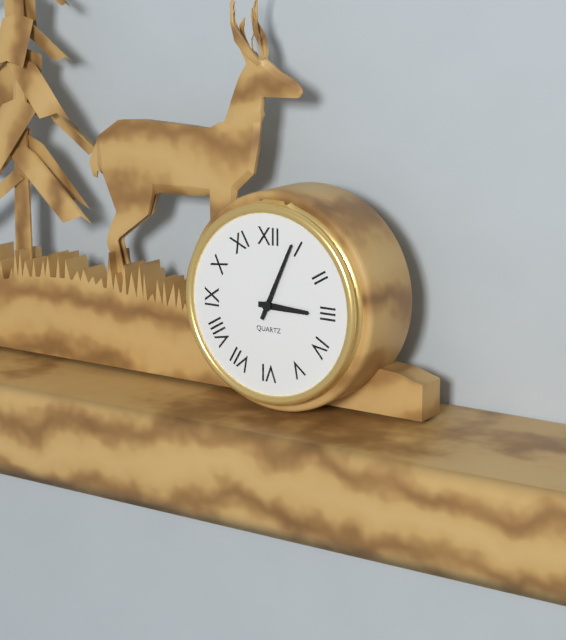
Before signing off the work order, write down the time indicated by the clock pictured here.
3:04
